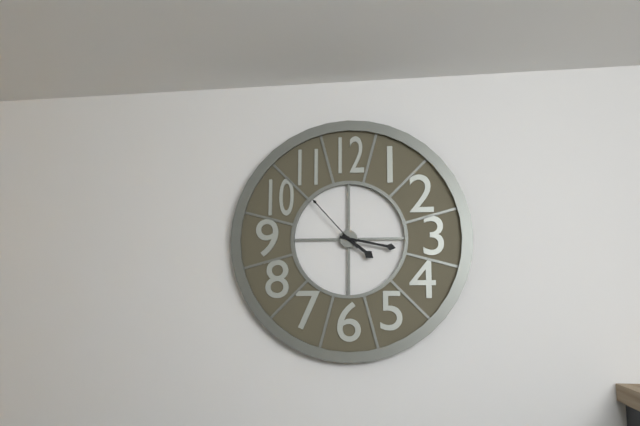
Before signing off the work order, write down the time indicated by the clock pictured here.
4:17:53
